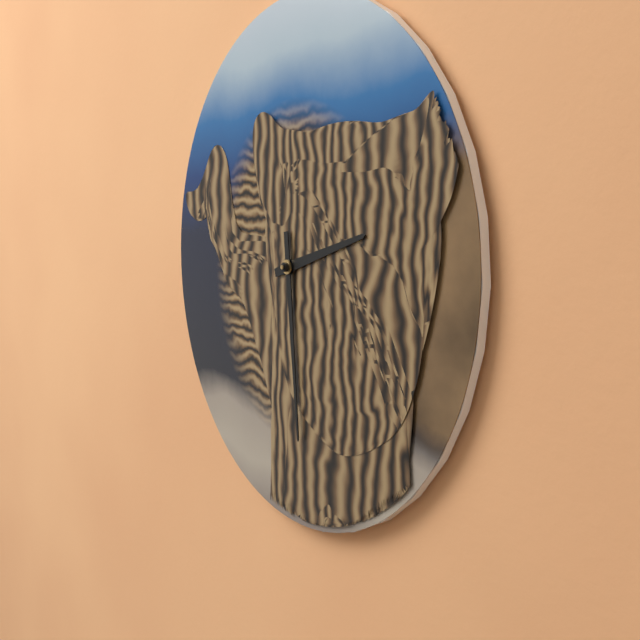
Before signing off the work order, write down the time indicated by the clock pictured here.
2:29
